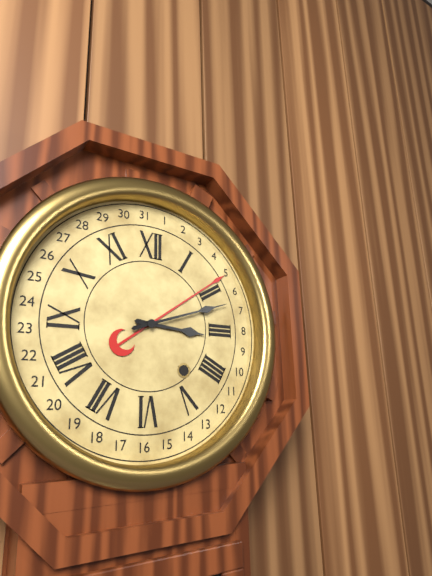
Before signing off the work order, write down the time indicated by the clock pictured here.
3:12
